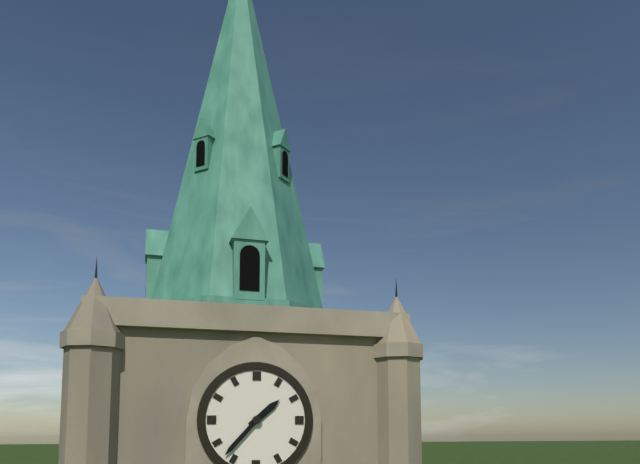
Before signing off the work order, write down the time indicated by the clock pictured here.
1:37
